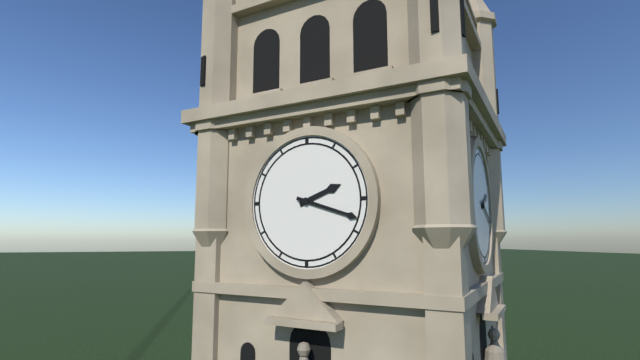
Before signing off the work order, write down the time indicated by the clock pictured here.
2:18
